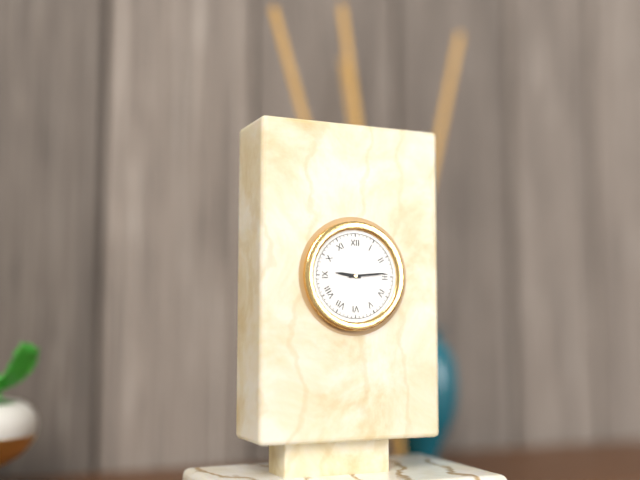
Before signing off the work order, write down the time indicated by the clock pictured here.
9:14
